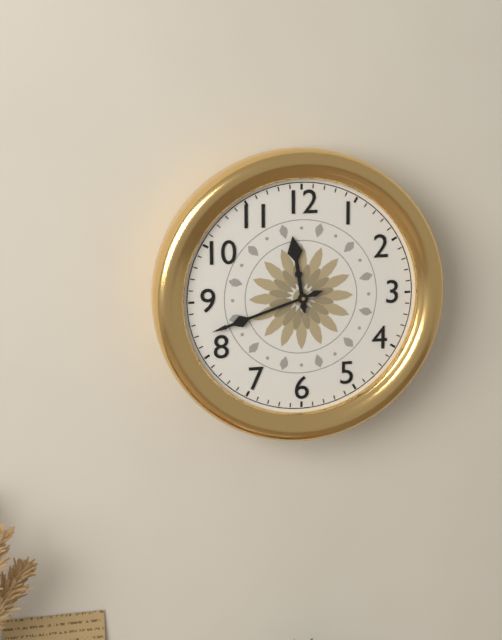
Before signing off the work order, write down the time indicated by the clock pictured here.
11:42
